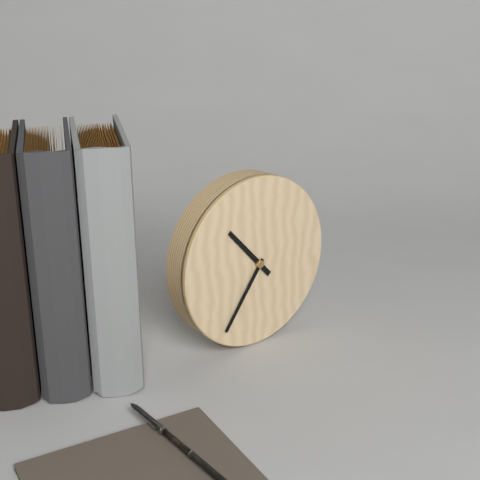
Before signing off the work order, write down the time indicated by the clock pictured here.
10:36
